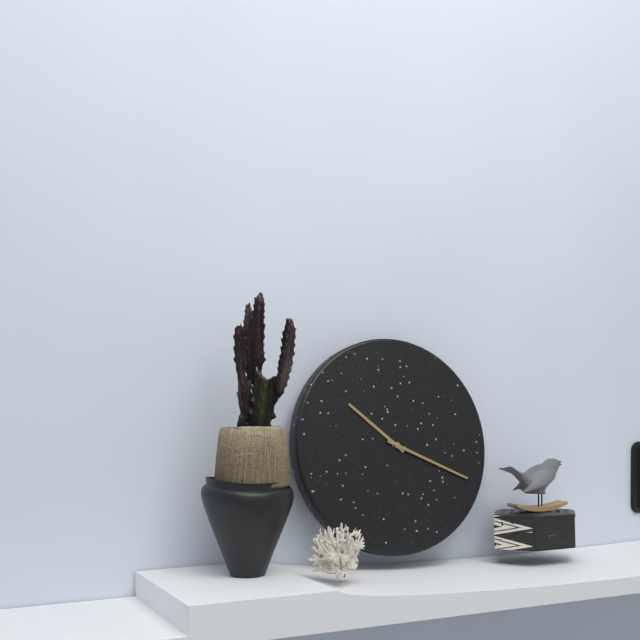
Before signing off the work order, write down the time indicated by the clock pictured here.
10:19
